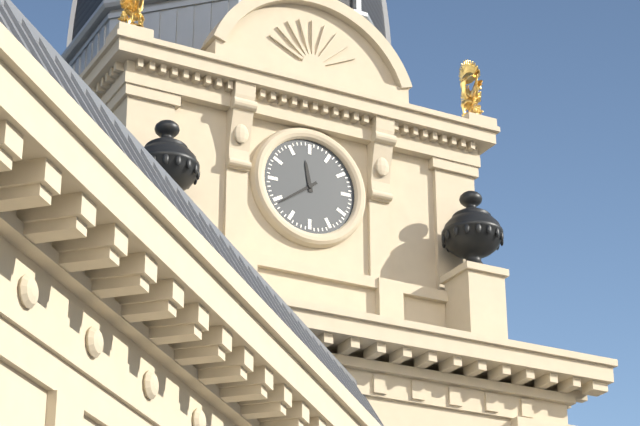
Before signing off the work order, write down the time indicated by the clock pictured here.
11:39
